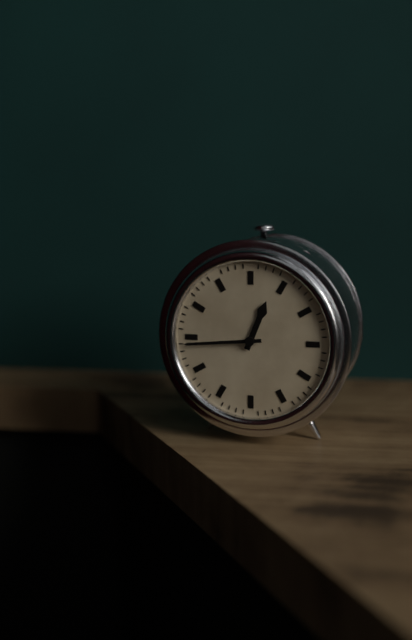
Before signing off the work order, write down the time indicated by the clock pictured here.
12:44
